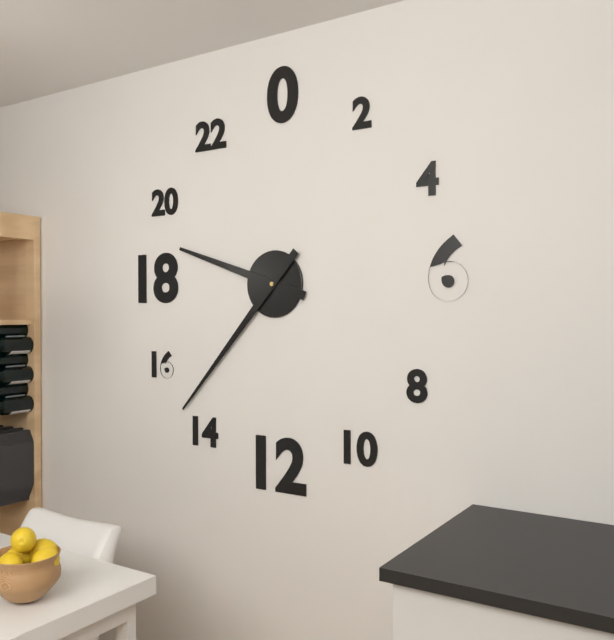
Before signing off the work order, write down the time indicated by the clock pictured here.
9:37
